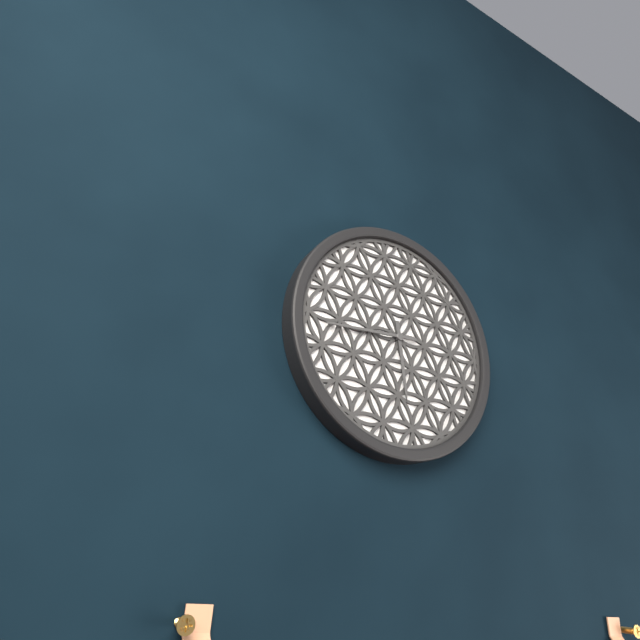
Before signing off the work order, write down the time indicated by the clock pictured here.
5:44
